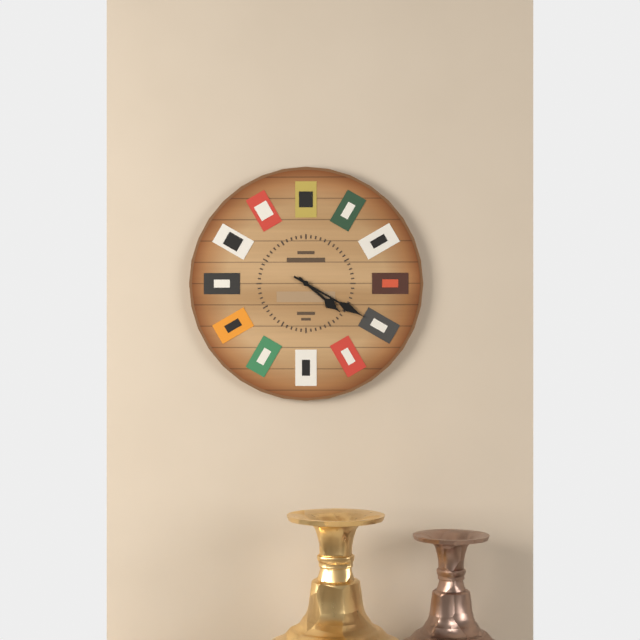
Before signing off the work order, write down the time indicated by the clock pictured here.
4:20
